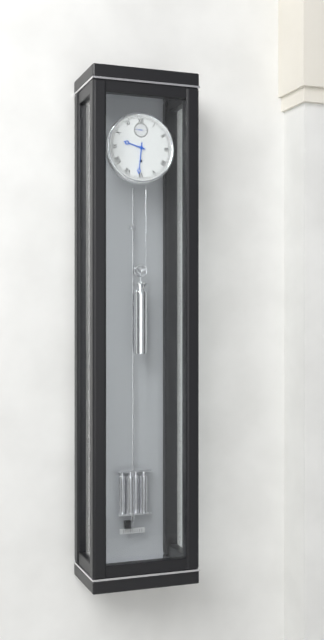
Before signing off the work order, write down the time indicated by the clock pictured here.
9:31
